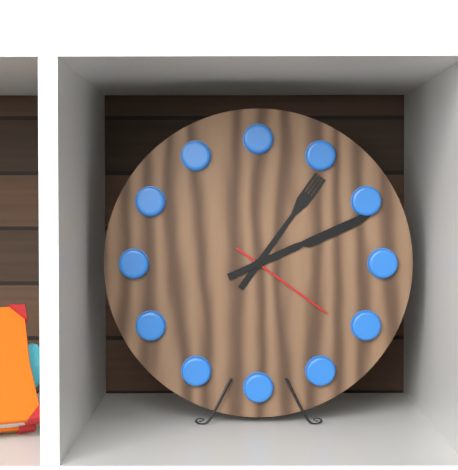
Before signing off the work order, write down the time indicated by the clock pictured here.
1:11:21
